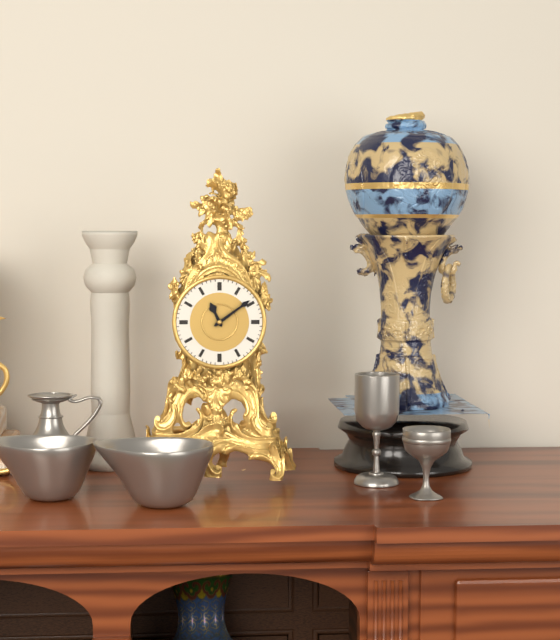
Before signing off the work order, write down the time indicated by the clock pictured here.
11:09
